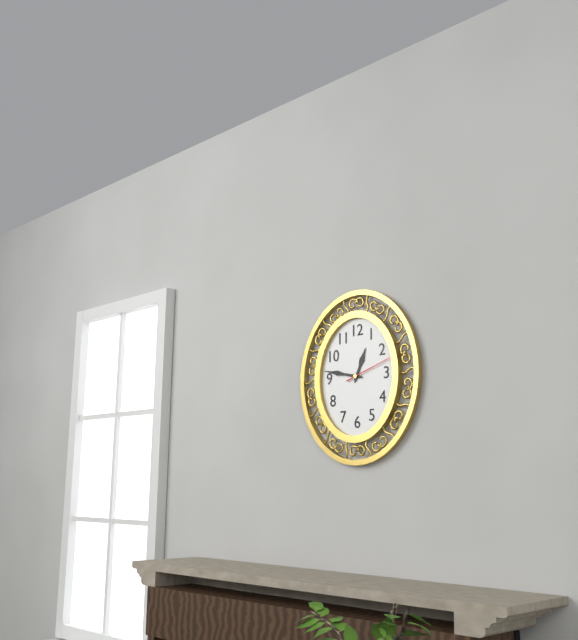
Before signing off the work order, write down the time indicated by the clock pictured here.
12:47:12
